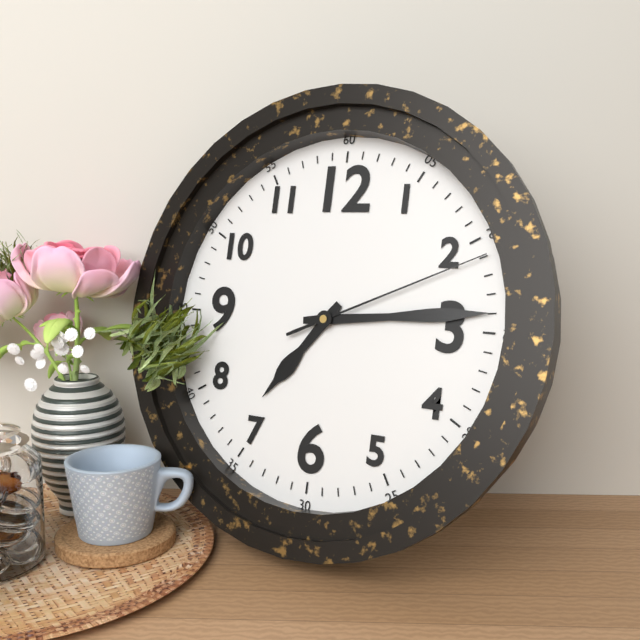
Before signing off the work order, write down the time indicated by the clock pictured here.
7:14:11
